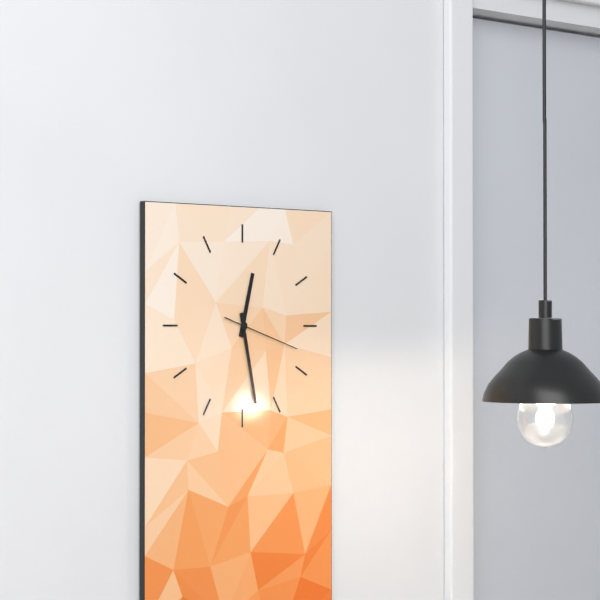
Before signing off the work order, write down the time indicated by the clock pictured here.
12:28:18
